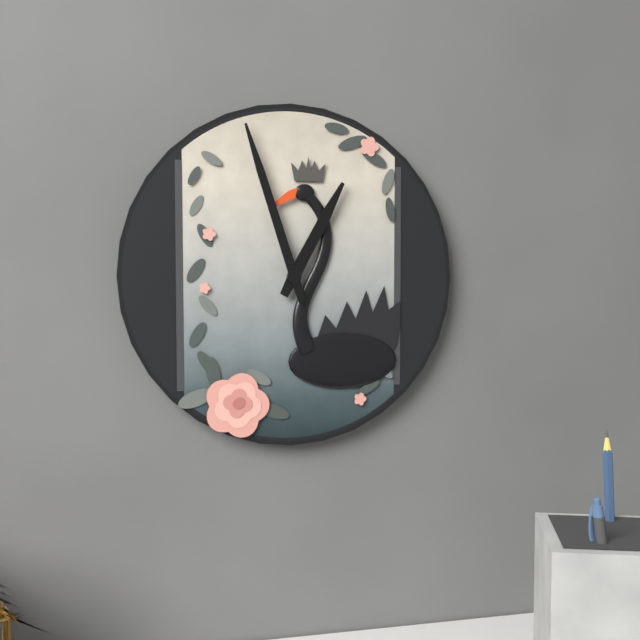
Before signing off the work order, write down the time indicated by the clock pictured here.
12:57
